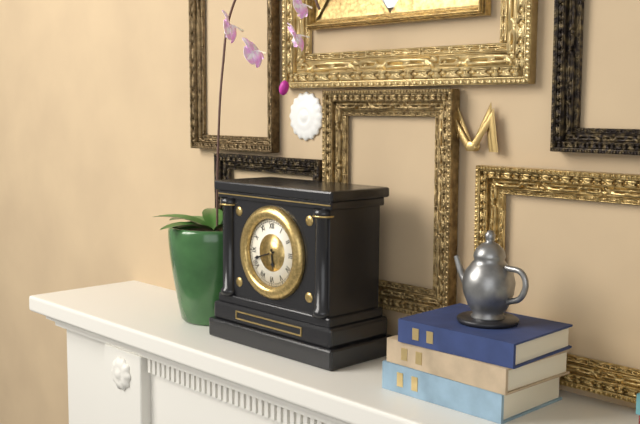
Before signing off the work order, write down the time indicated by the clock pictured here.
5:42
